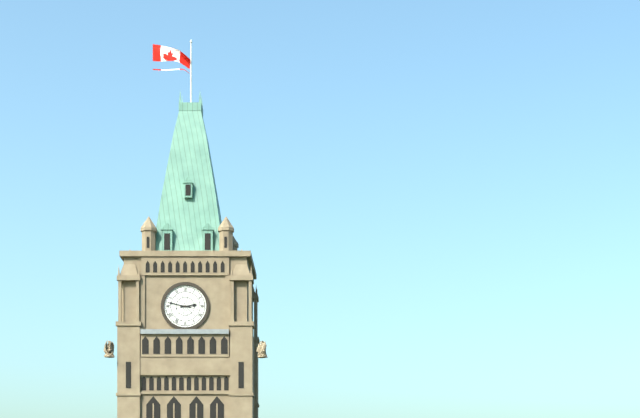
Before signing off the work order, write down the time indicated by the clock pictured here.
2:47
